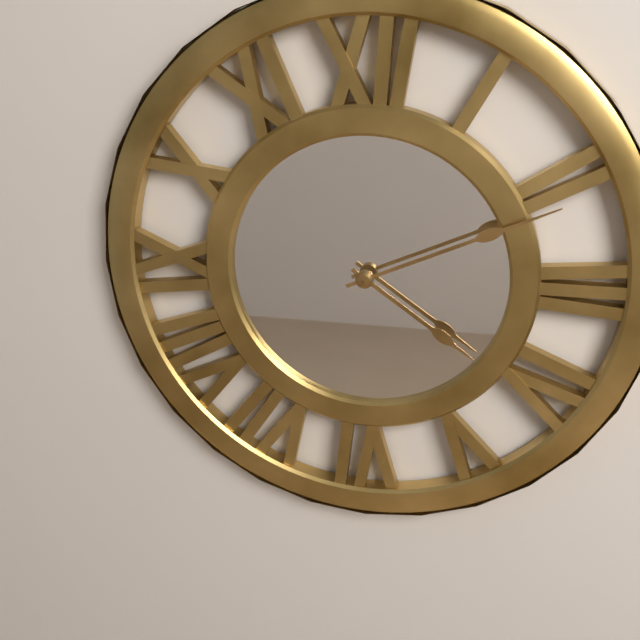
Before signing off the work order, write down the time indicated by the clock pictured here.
4:11
